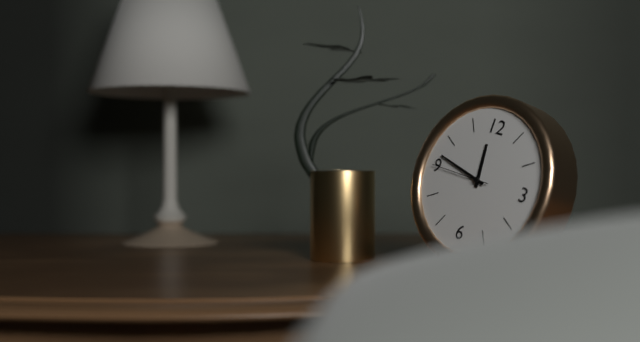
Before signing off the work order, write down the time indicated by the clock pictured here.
11:47:45
